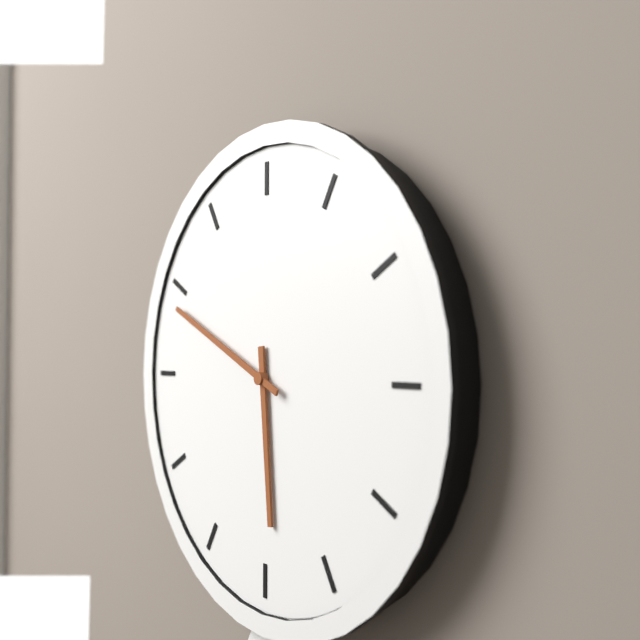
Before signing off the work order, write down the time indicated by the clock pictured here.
5:49
